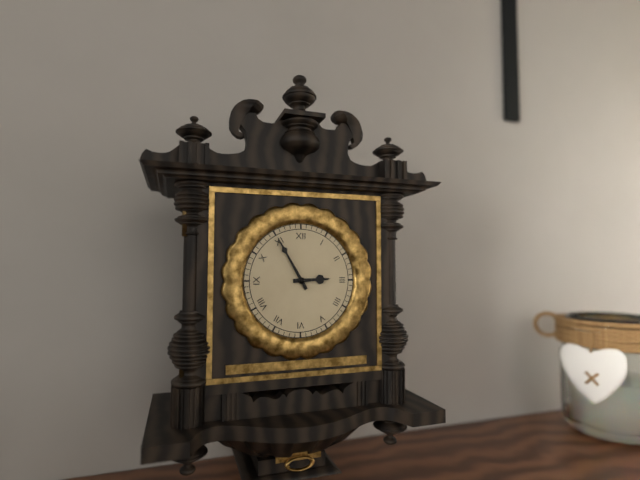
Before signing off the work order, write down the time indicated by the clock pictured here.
2:55
